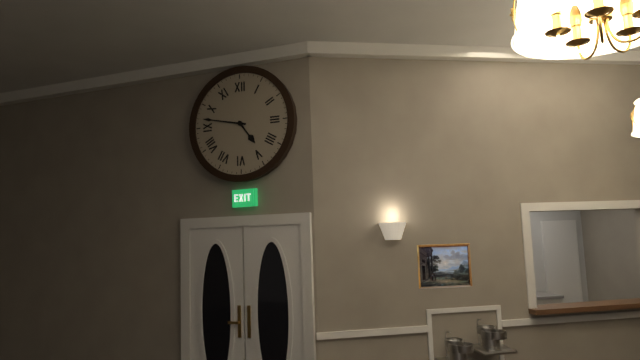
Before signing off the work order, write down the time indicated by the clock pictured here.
4:47
